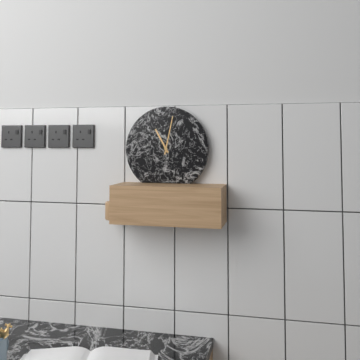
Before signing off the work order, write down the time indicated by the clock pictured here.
11:02
